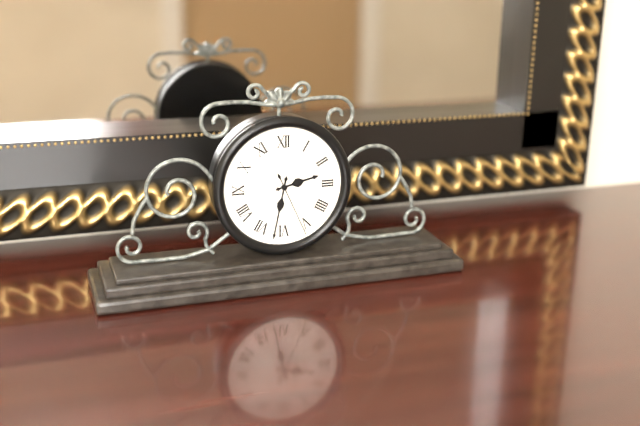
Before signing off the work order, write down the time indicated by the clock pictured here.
2:32:26
